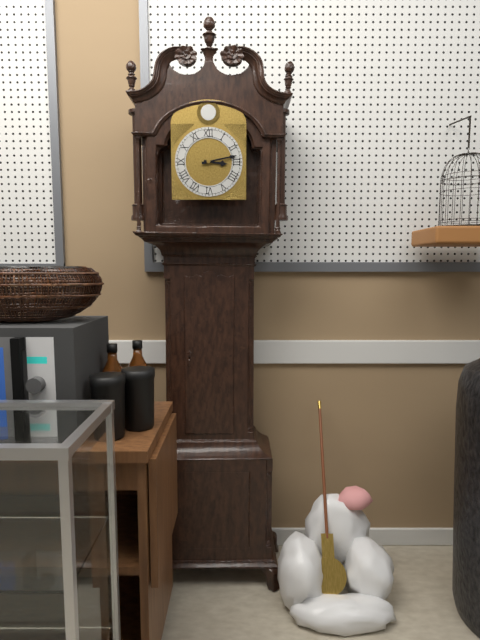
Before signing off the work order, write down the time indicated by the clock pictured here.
3:13
